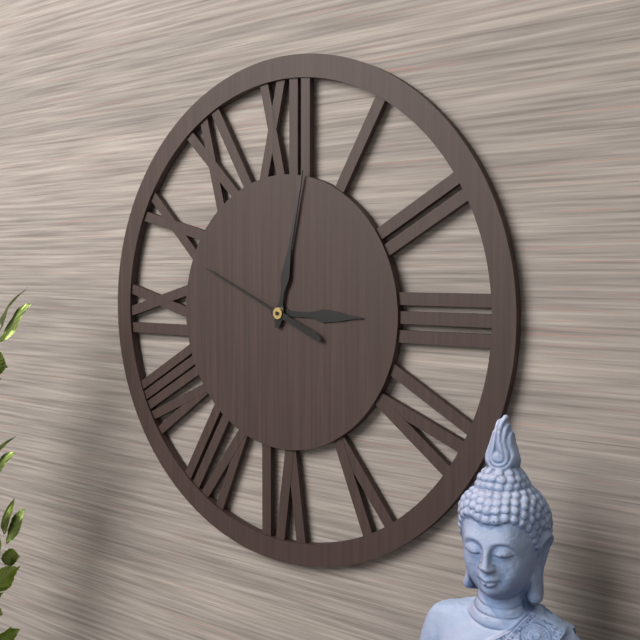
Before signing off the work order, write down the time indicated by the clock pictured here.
3:02:49
